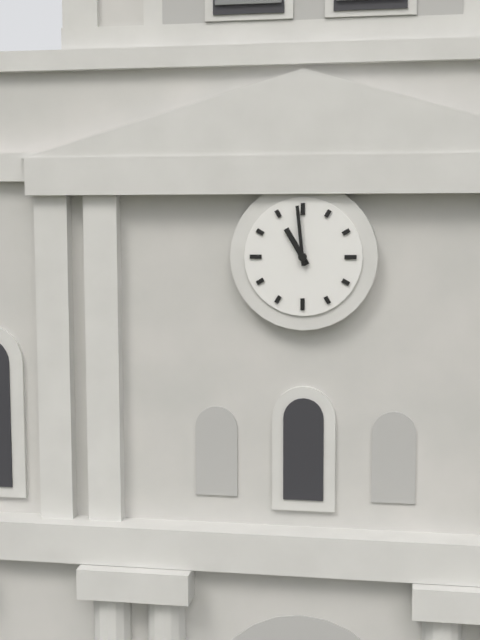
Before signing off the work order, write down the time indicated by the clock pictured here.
10:59
